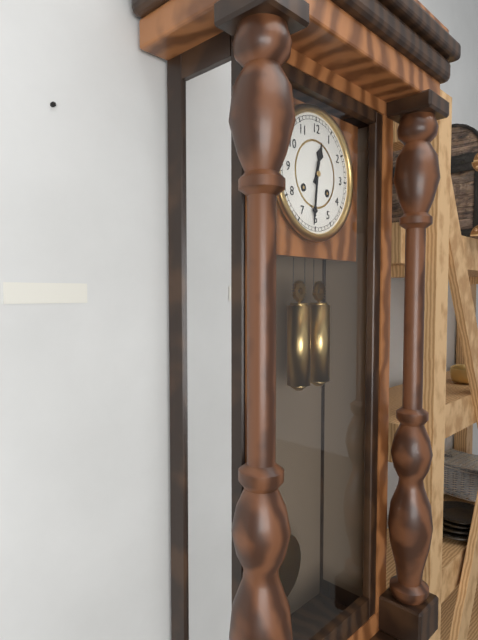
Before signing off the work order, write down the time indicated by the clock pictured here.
12:31
